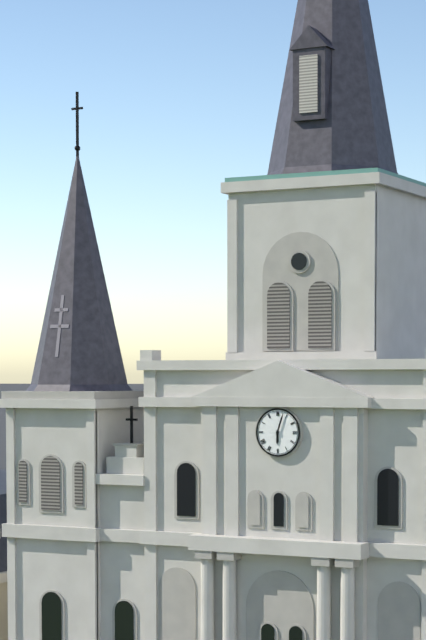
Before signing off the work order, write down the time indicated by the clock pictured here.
6:03
